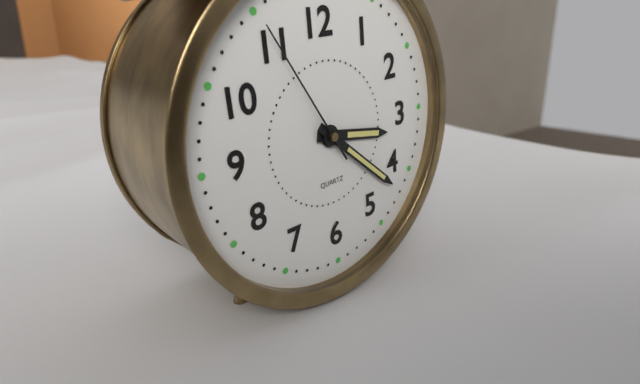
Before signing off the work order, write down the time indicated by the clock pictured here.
3:22:55
